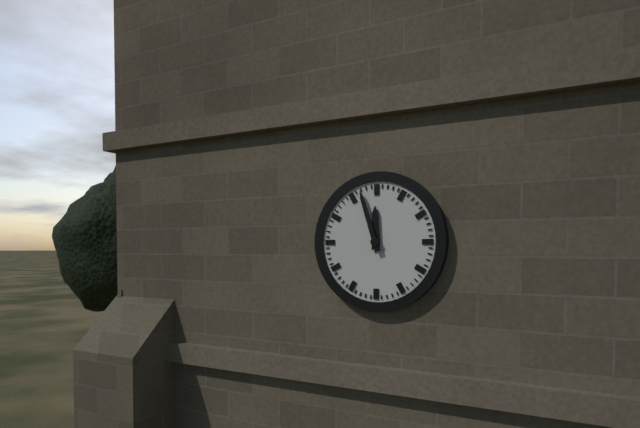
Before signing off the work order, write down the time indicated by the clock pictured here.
11:57
